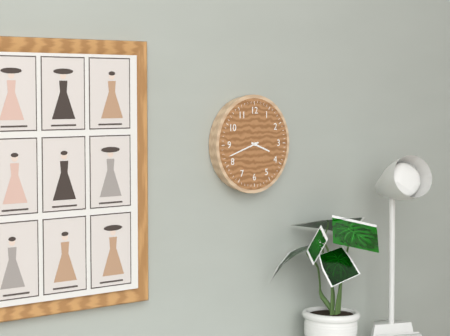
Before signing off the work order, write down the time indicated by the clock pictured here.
3:42
